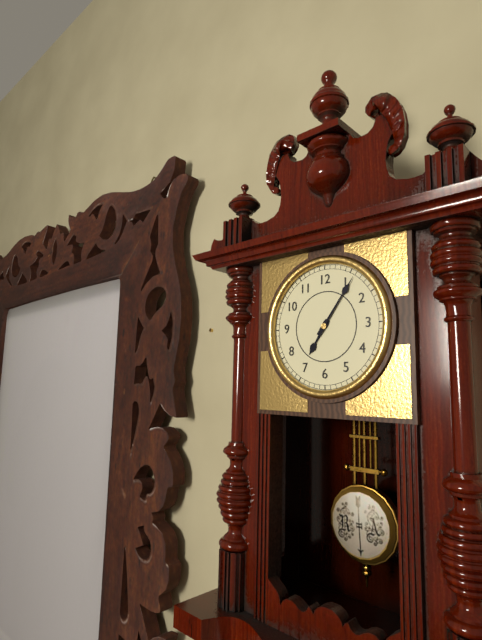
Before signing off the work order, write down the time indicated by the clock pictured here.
7:06
